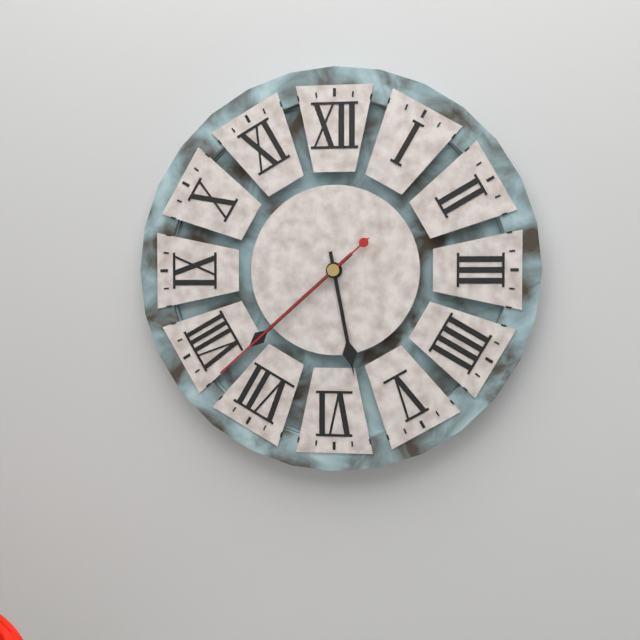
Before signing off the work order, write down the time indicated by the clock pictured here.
5:38:38
